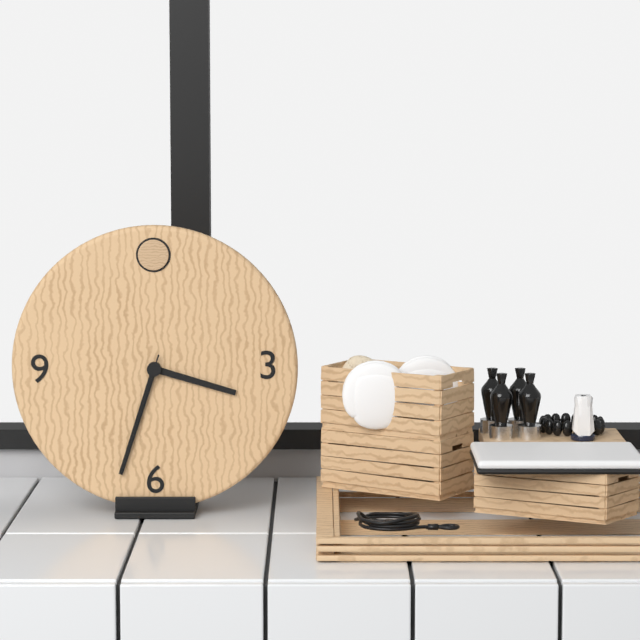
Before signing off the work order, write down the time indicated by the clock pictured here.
3:33:33
